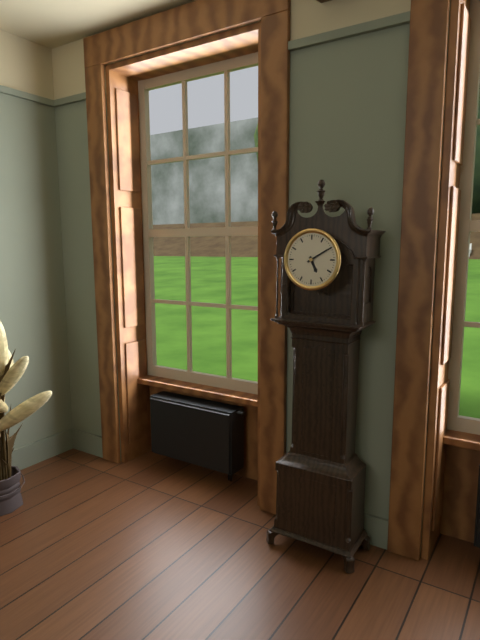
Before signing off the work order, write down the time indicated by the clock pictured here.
5:10
